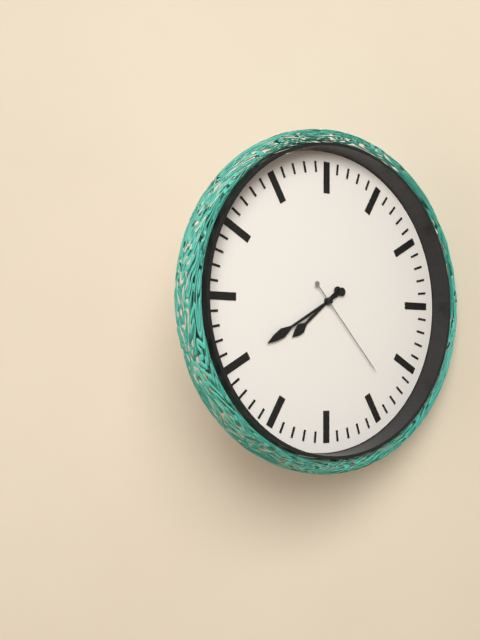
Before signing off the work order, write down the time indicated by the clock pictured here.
7:40:23
